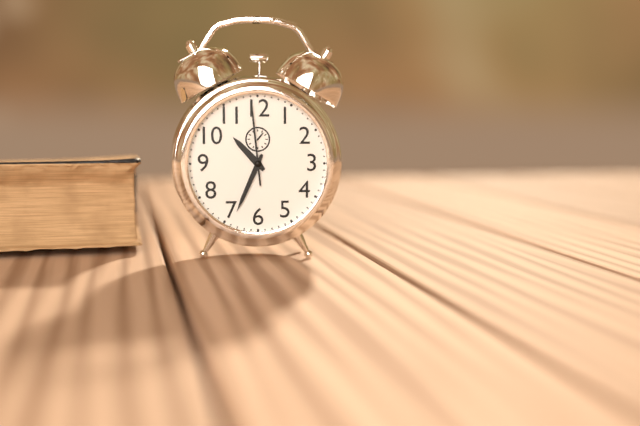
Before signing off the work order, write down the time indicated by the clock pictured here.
10:34:59
